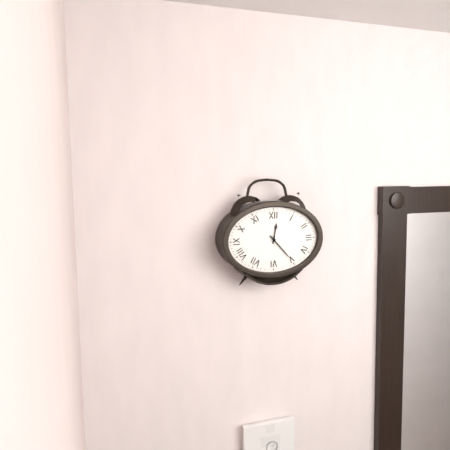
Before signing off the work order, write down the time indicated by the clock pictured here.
12:23
